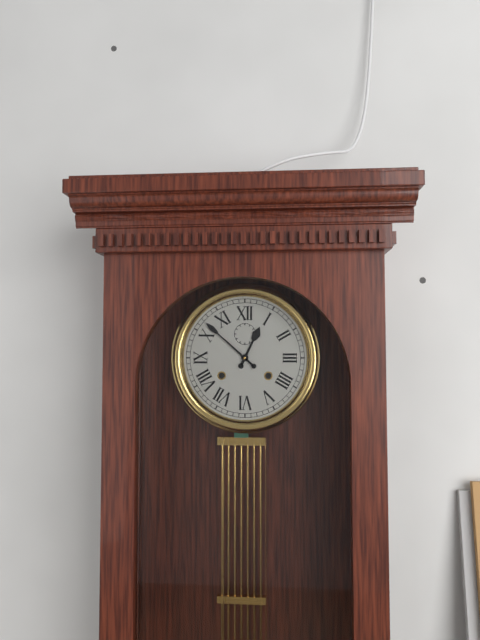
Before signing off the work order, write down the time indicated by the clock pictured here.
12:52
